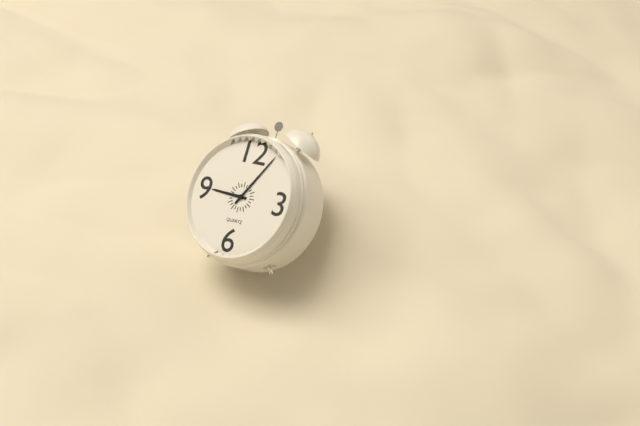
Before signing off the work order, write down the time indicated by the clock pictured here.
9:05
